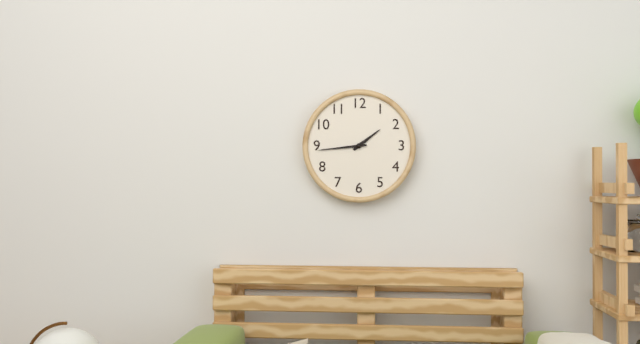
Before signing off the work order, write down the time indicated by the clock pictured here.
1:44
